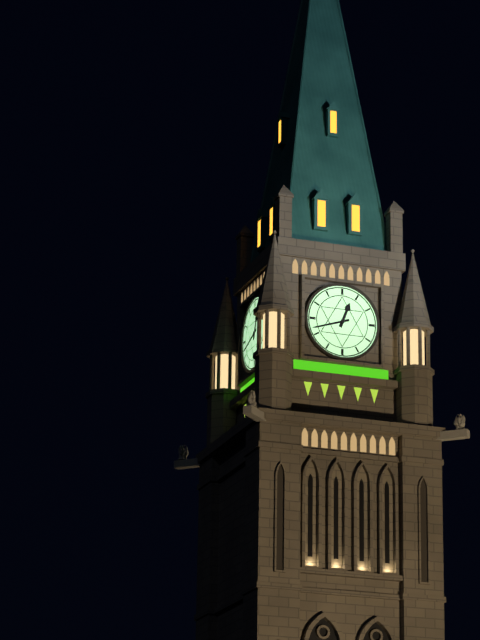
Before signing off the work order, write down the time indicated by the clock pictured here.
12:42
